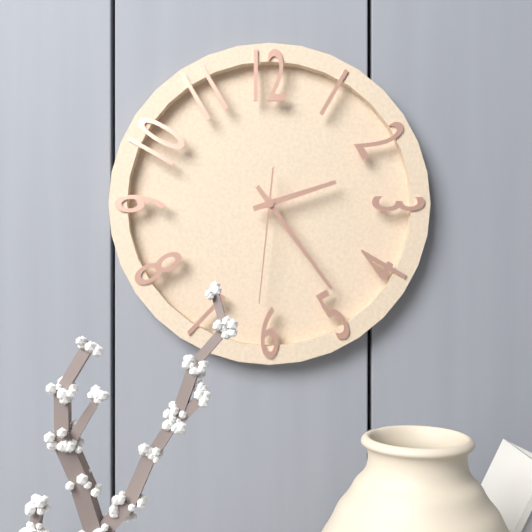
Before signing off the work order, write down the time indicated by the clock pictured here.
2:24:31
